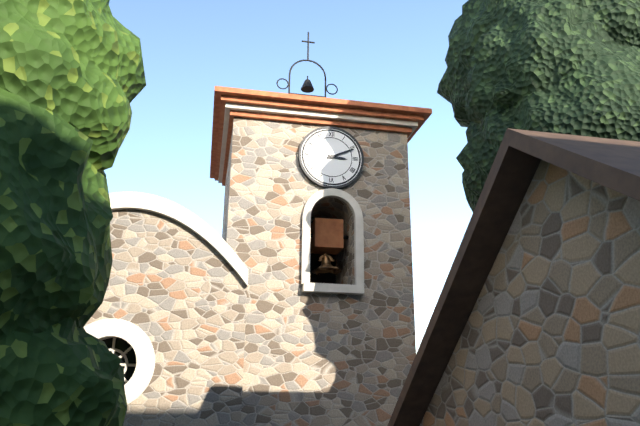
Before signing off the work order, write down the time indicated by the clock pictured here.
3:11
